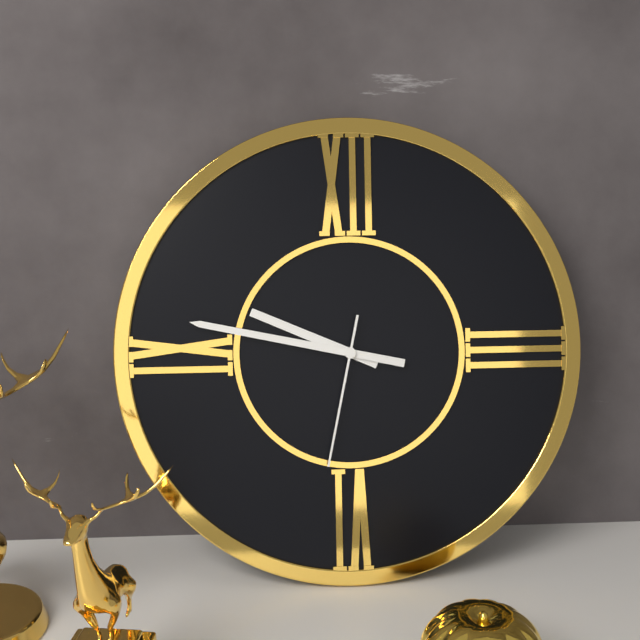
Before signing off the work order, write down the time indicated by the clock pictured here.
9:47:32
